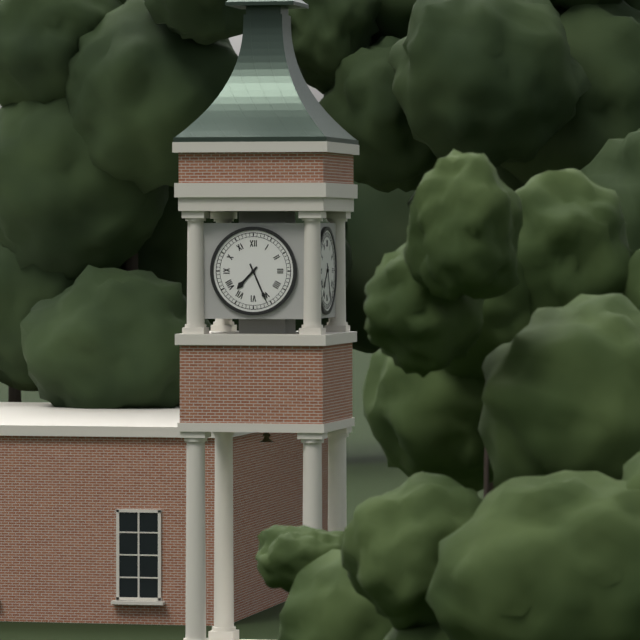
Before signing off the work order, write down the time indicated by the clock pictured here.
7:26
